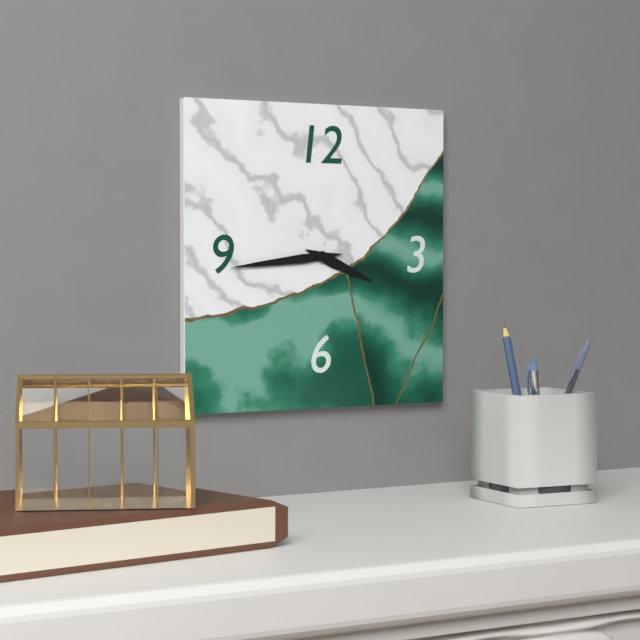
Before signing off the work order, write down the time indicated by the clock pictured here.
3:44
